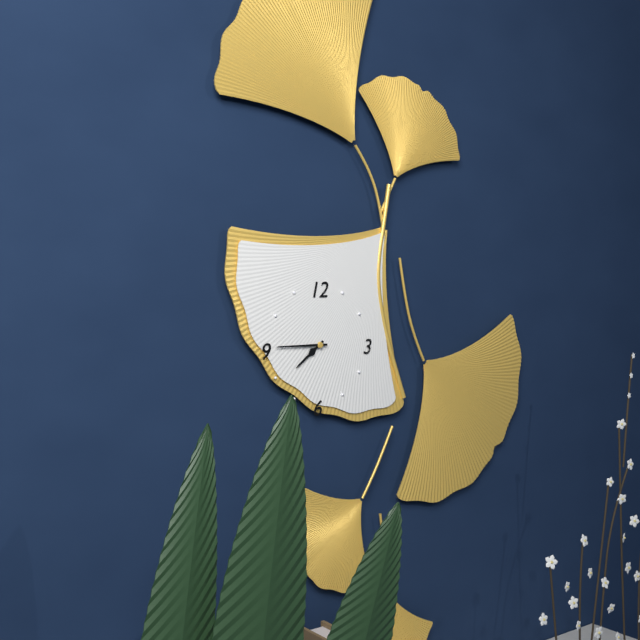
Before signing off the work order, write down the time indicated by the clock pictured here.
7:45
